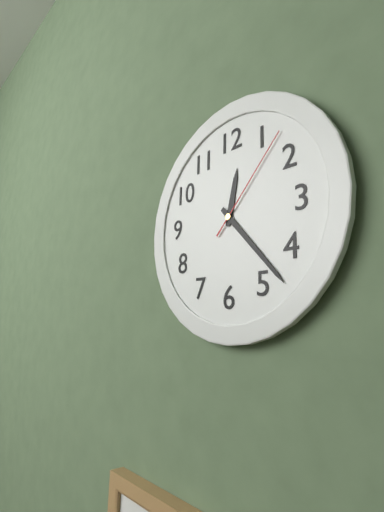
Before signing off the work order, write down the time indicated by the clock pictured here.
12:23:07
